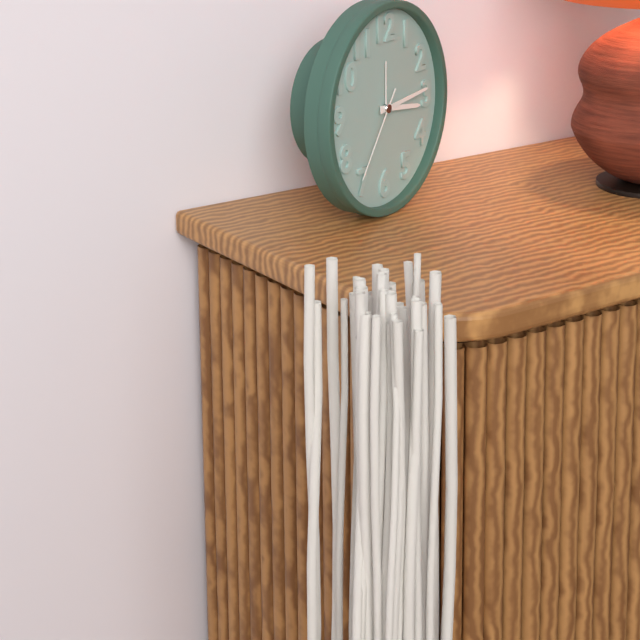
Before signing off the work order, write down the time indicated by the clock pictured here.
3:14:36
